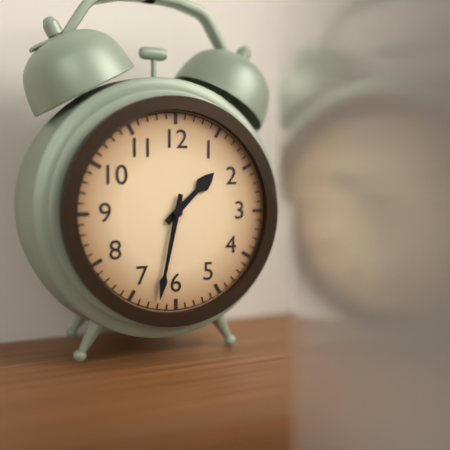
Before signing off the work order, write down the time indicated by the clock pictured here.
1:32
